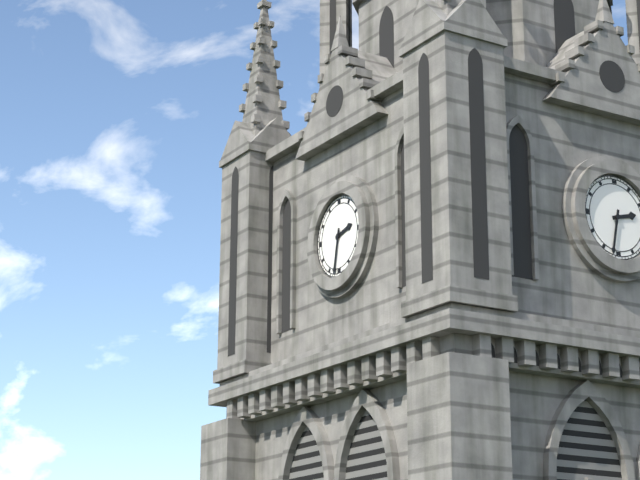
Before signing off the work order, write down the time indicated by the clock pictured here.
2:32
